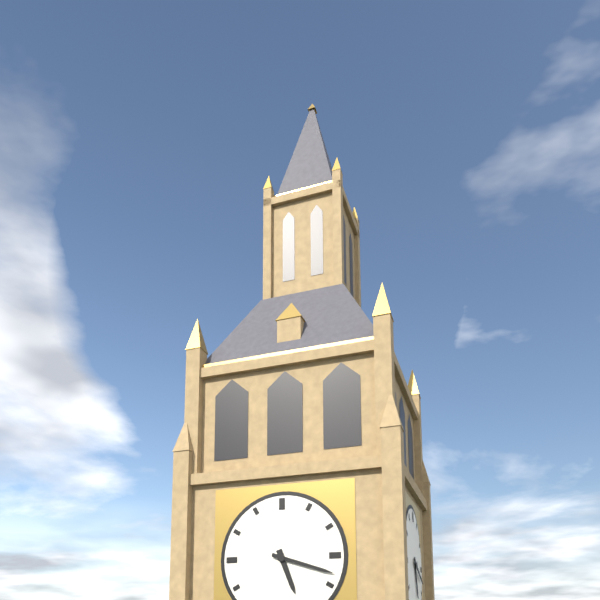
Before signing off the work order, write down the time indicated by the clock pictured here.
5:18
